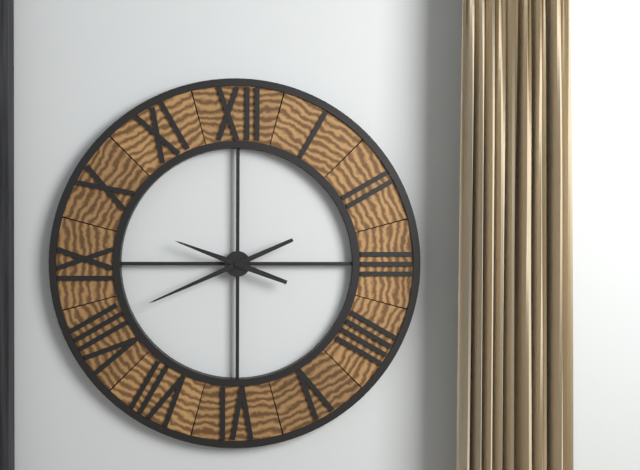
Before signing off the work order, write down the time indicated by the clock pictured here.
9:41
